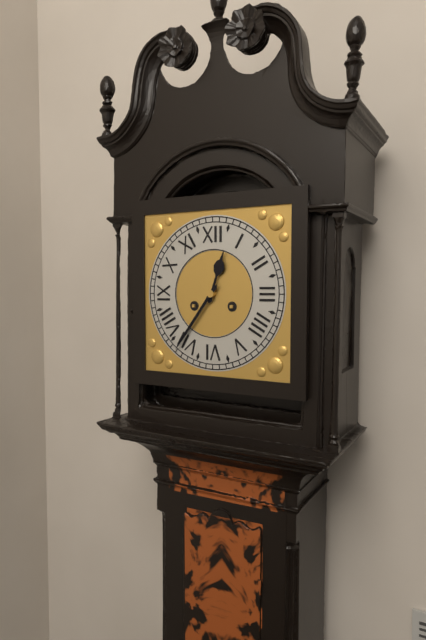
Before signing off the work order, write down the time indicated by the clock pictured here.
12:36
